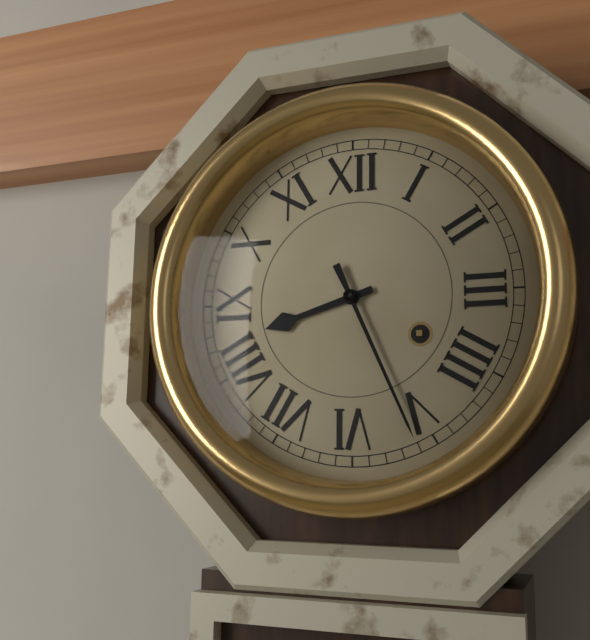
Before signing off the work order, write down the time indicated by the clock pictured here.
8:26
